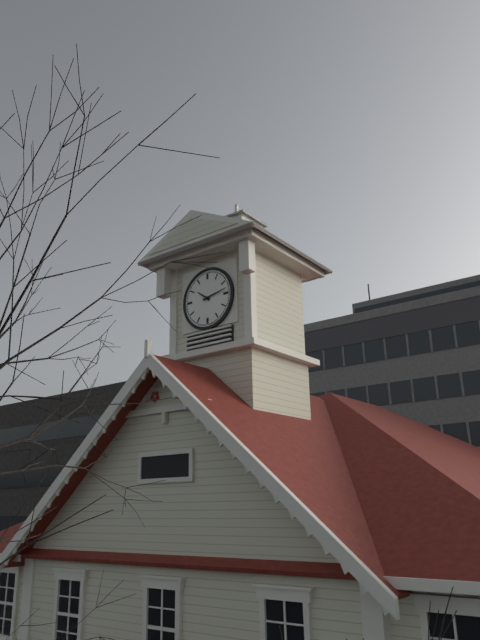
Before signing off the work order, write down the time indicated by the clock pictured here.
10:13
